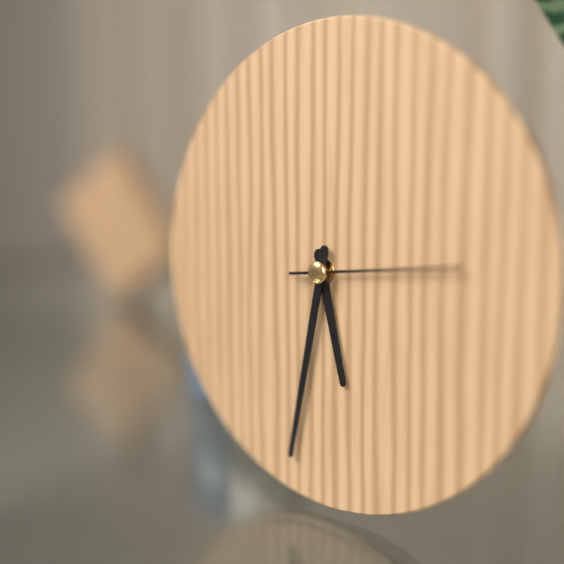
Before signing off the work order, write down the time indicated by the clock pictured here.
5:32:14
